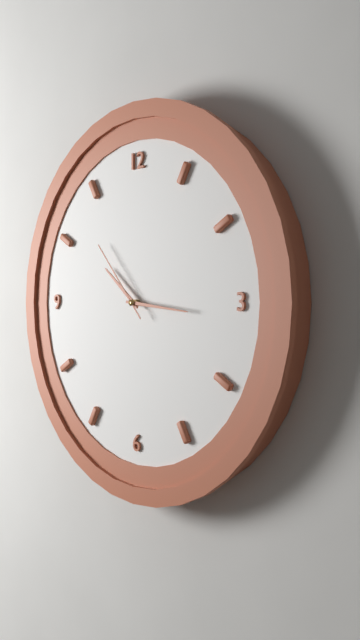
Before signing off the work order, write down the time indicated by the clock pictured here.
10:16:53
